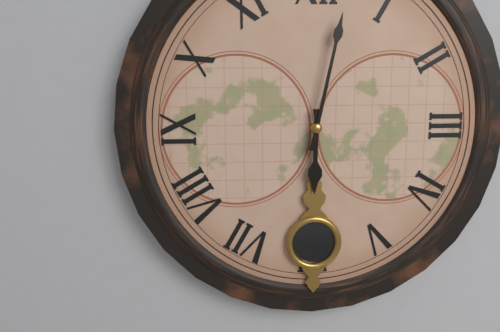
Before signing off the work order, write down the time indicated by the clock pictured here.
6:02
